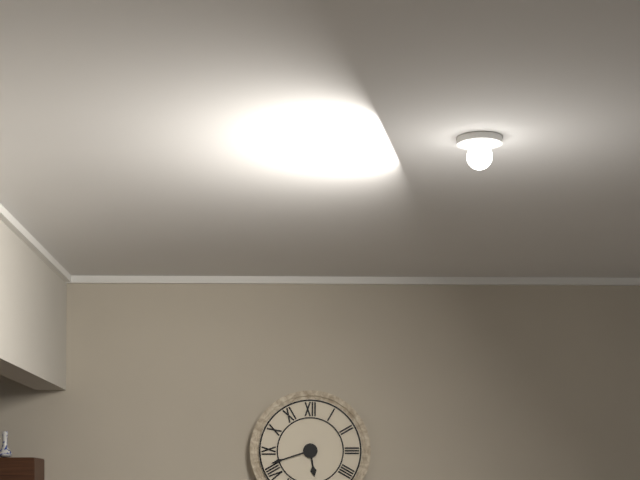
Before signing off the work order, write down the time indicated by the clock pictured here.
5:42
